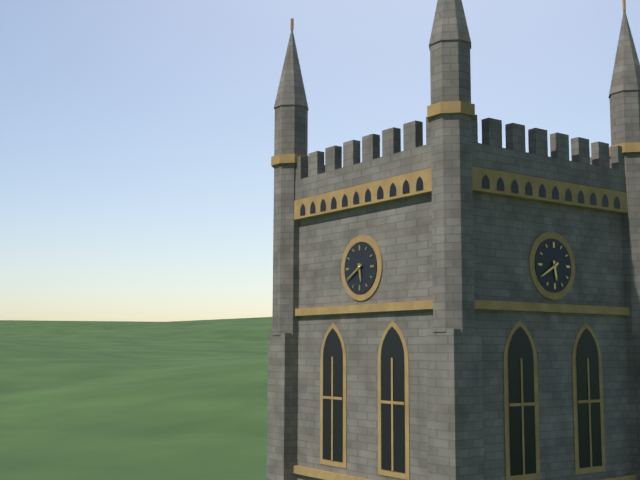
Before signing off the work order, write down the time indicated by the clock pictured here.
5:40
